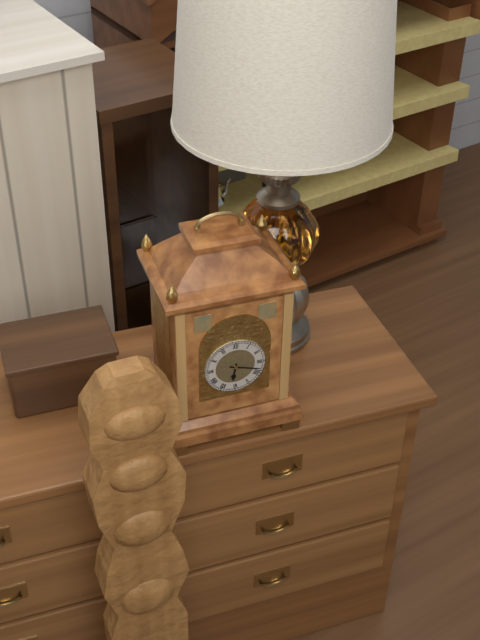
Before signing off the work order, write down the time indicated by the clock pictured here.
6:18
